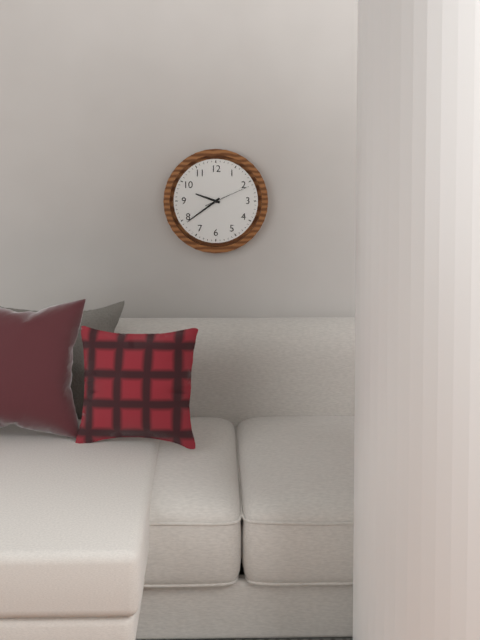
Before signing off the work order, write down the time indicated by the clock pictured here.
9:39
